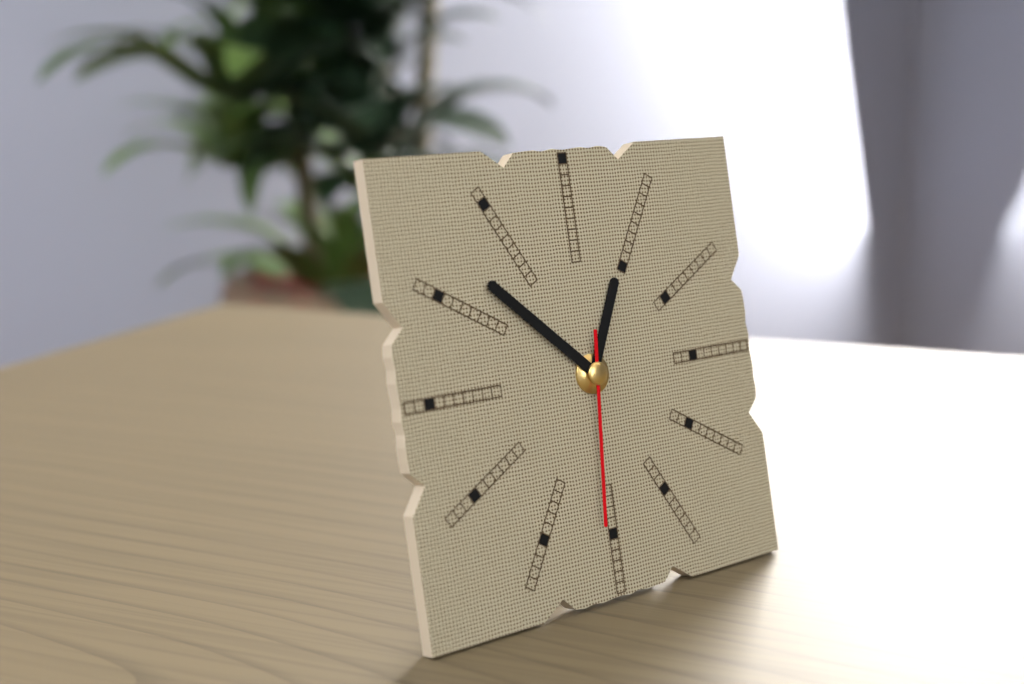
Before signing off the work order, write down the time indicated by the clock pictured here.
12:52:31
